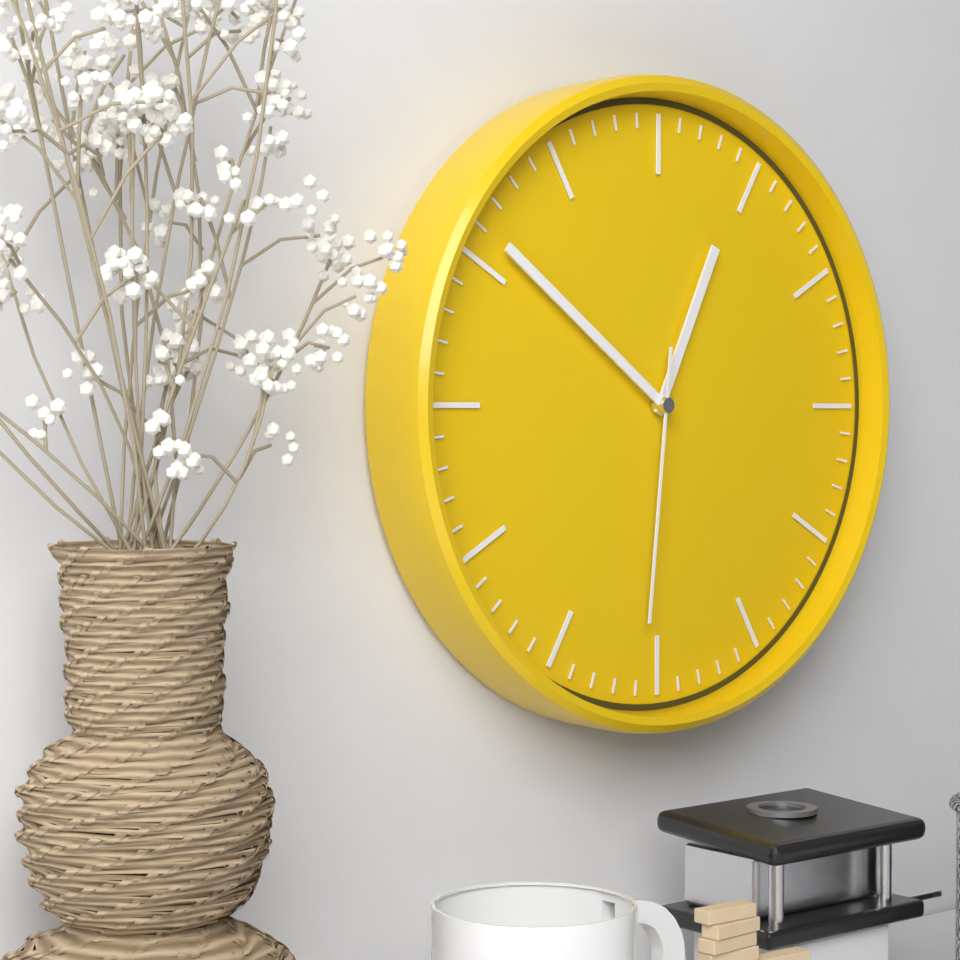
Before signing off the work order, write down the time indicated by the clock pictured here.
12:51:31
